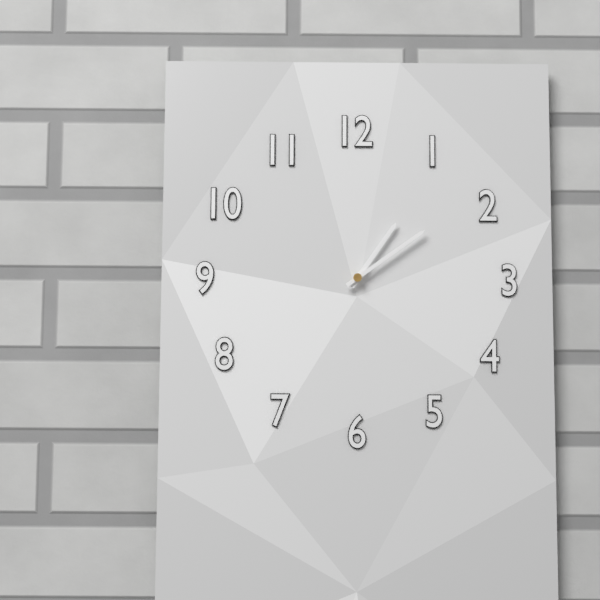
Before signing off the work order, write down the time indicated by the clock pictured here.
1:09
